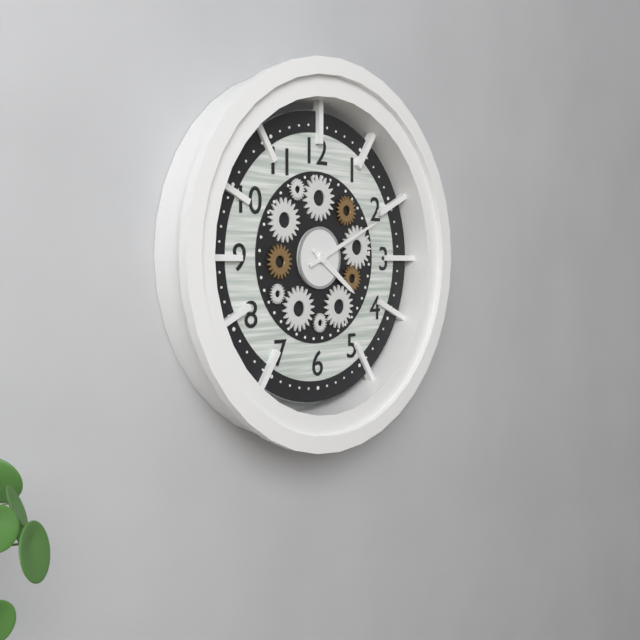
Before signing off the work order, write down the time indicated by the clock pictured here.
4:11
